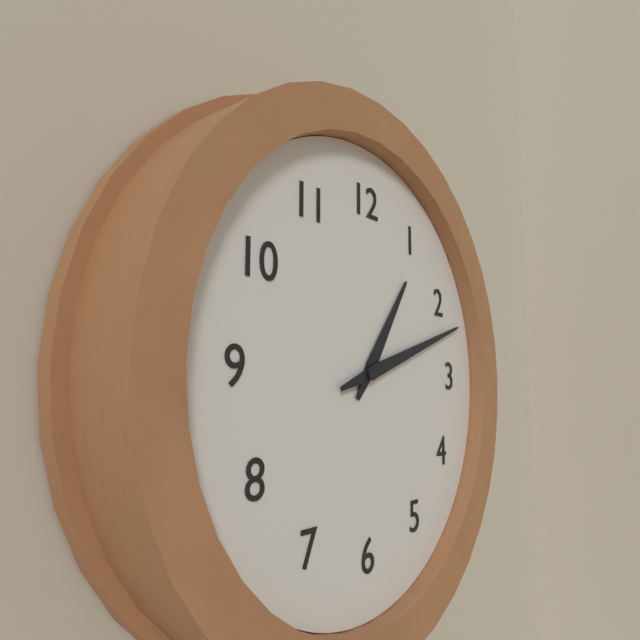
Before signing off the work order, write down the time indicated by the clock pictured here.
1:12
